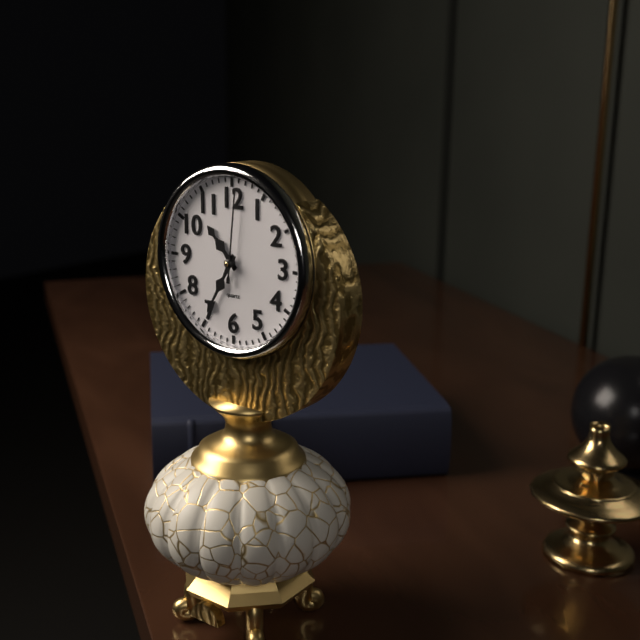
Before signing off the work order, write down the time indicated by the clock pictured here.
10:35:01
